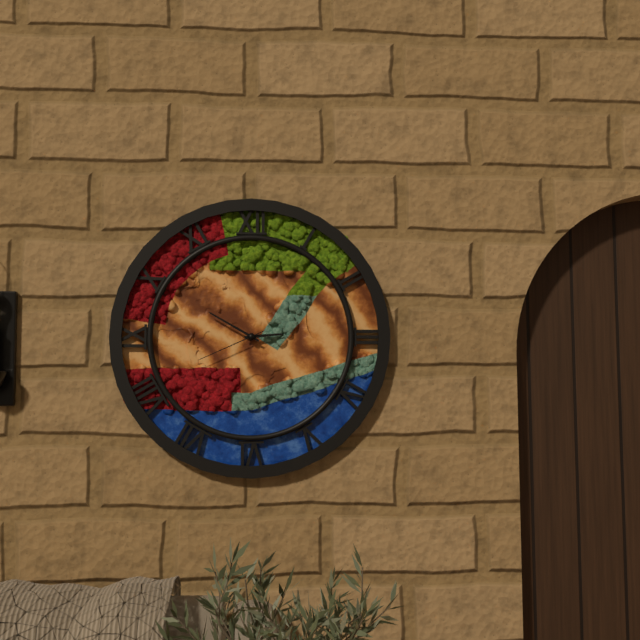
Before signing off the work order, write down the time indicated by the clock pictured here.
2:50:41
